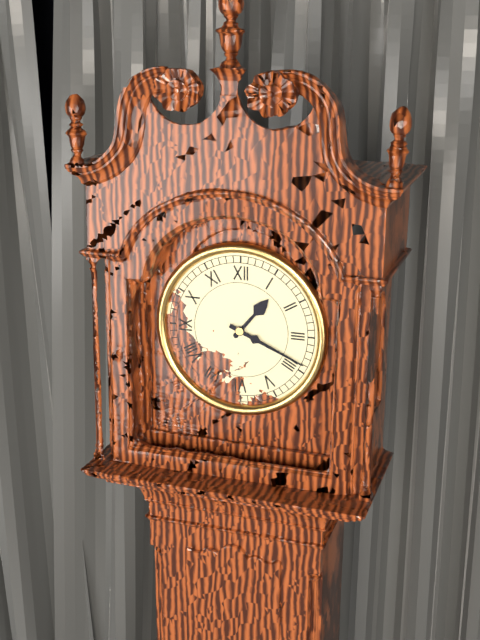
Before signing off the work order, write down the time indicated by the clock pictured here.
1:19
